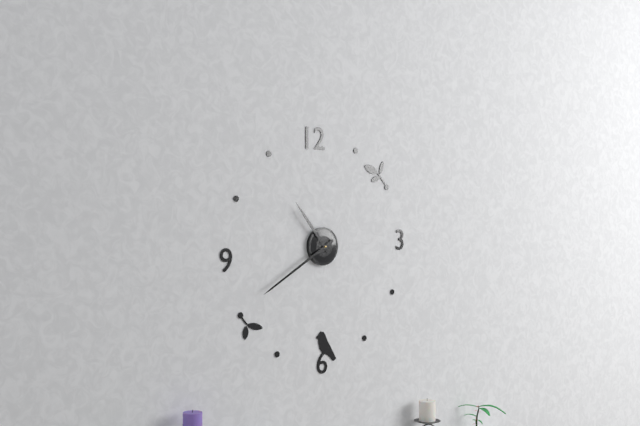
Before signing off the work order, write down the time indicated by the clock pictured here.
10:40
